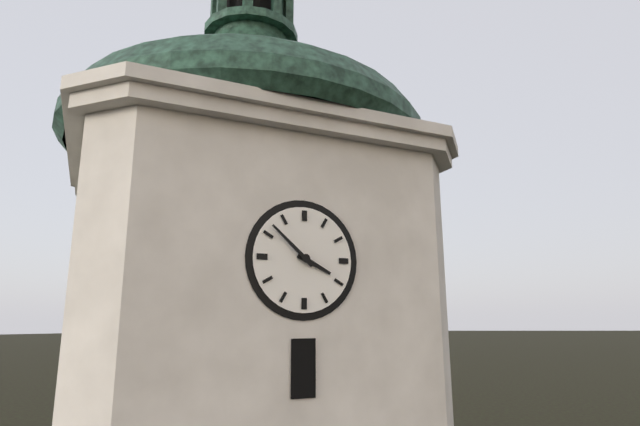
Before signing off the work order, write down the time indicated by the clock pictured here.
3:52
